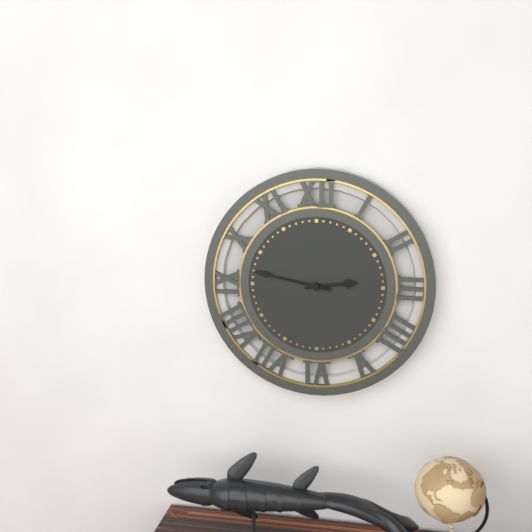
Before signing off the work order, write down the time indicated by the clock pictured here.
2:47
